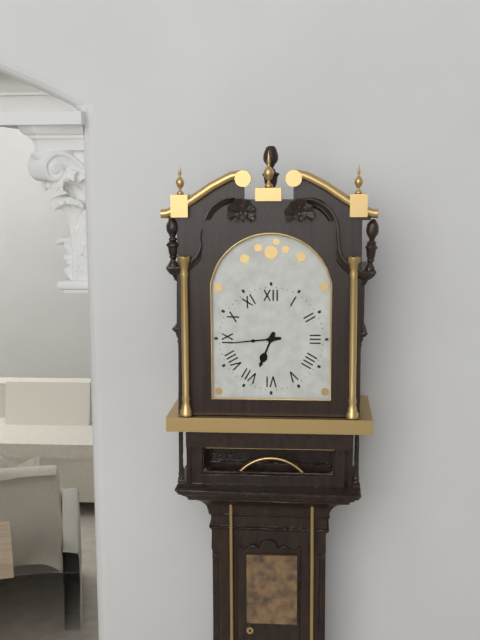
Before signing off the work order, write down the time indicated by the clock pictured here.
6:44
